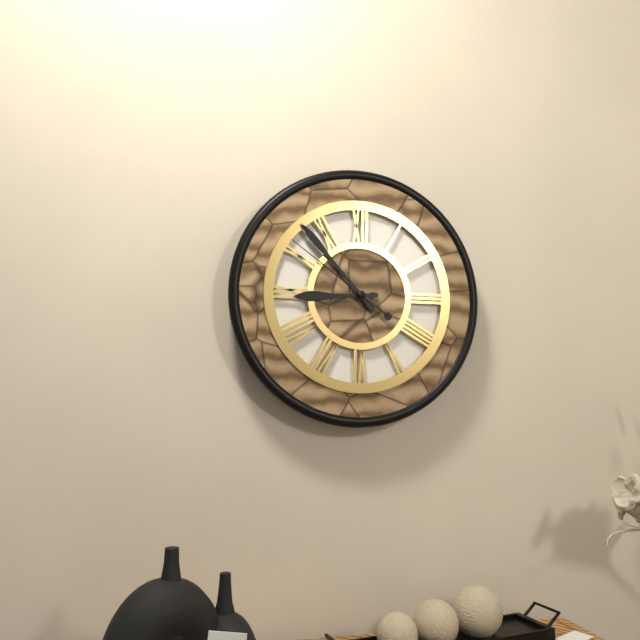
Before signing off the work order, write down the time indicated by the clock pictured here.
8:53:51
